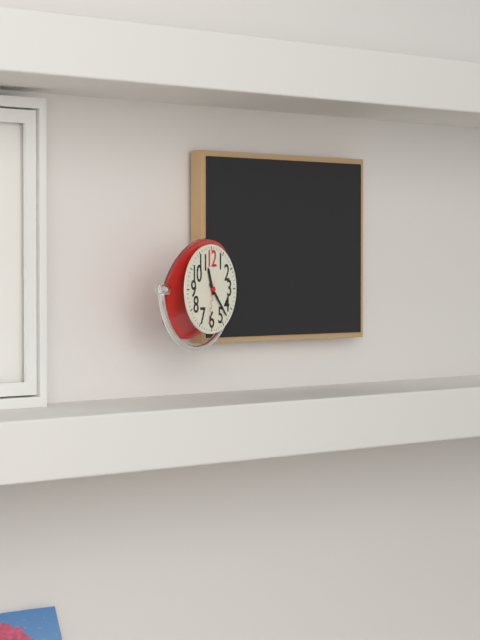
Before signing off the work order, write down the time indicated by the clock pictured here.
11:23
